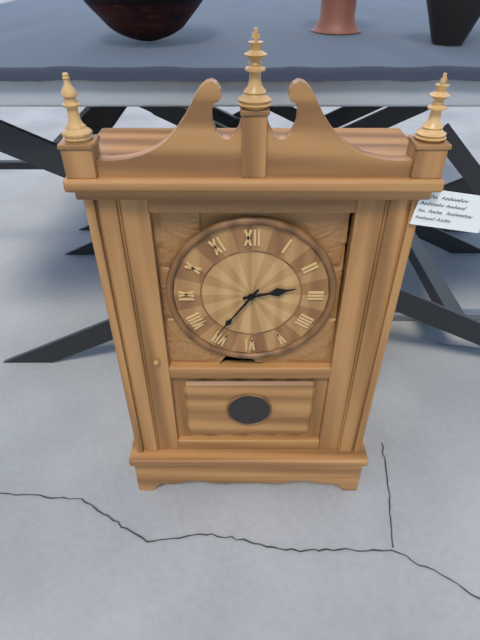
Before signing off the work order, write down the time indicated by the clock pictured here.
2:36
